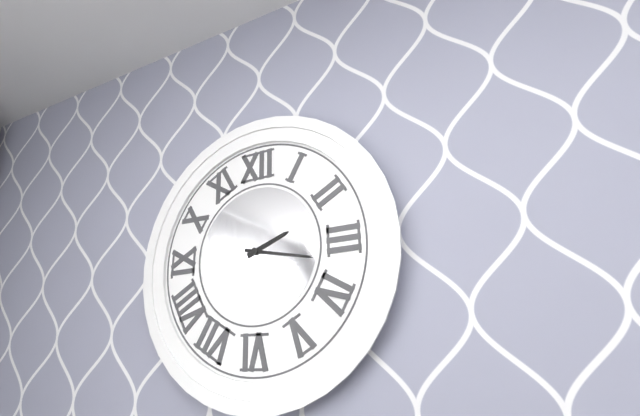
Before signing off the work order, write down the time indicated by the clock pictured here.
2:17
